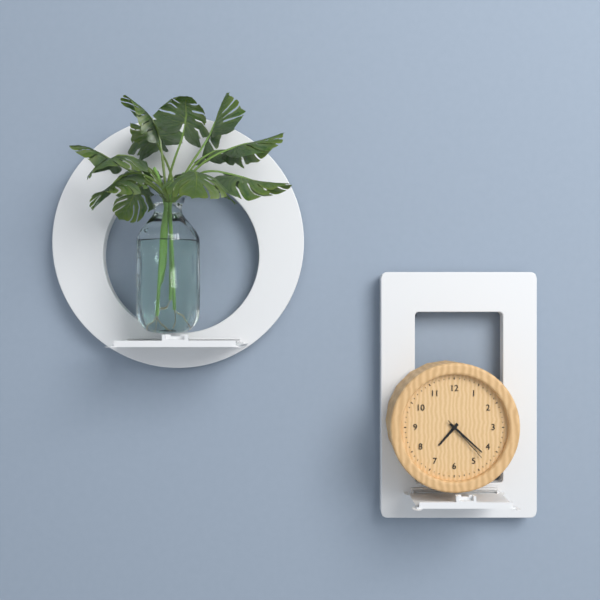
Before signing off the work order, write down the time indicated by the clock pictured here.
7:22:23
